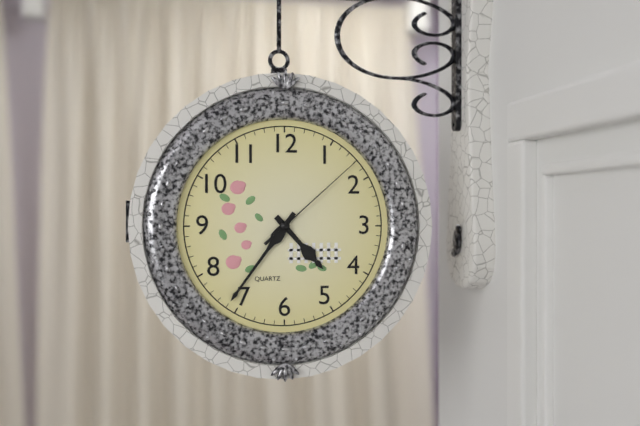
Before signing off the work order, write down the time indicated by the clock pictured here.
4:36:08
